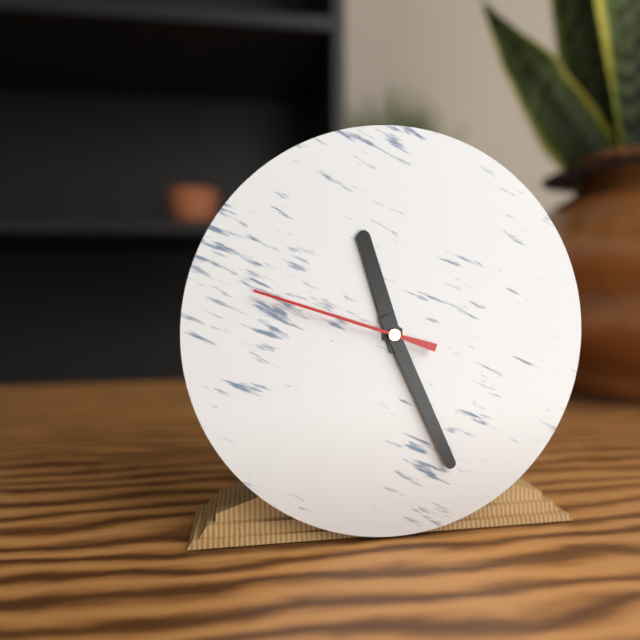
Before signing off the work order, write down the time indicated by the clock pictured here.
11:26:48
